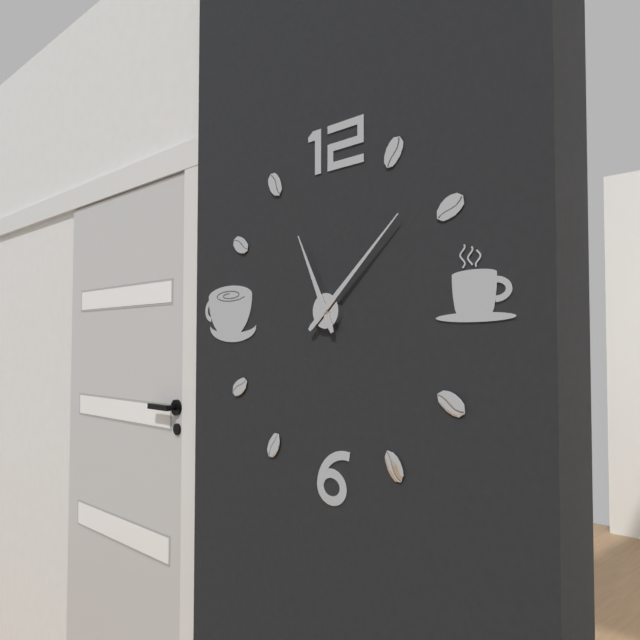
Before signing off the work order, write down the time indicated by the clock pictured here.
11:08
